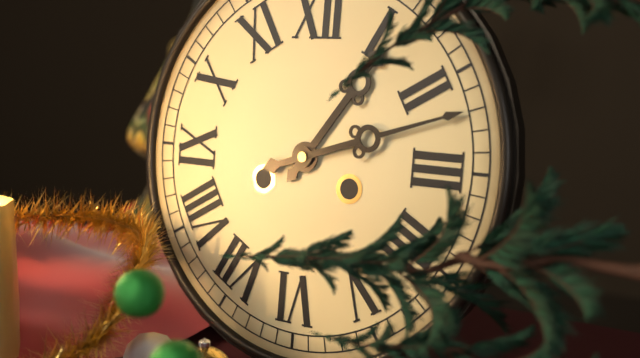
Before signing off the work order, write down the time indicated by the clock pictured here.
1:12
